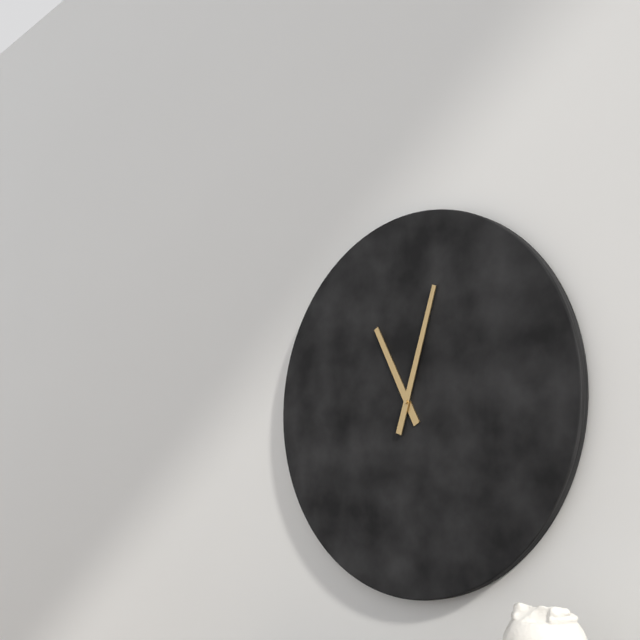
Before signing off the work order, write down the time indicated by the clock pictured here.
11:03
